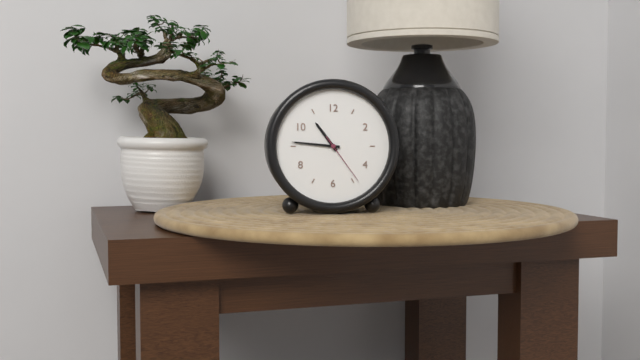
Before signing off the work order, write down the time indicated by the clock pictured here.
10:46:24
